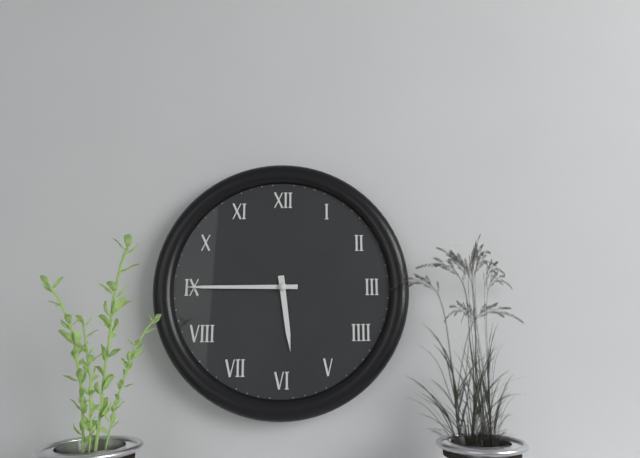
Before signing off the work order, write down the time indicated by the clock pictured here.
5:45
